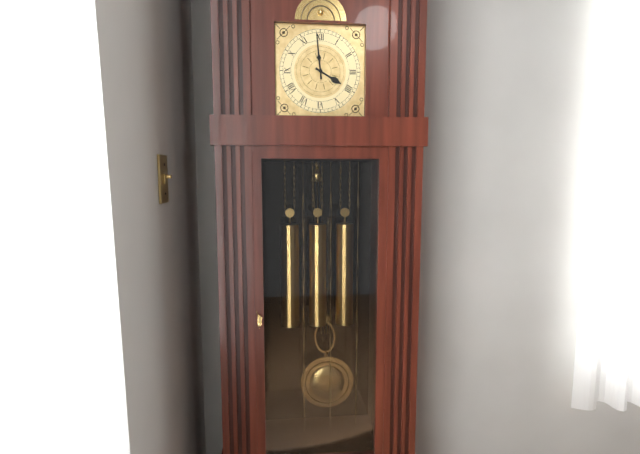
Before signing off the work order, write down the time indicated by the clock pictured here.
3:59
